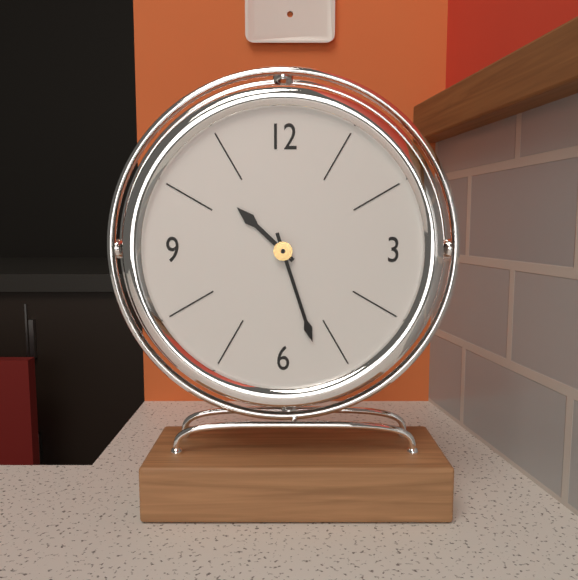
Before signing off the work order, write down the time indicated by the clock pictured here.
10:27
